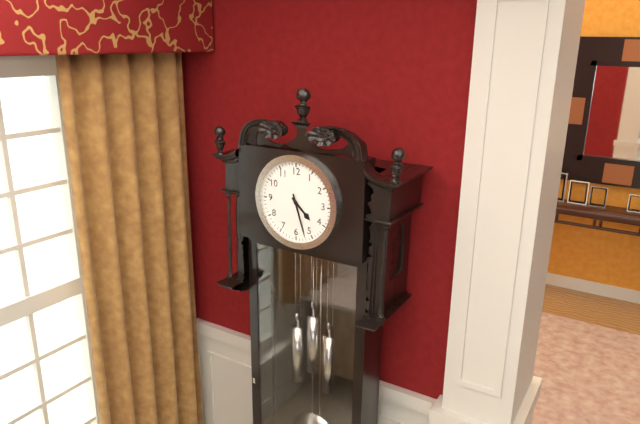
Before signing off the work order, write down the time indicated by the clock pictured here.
4:27
